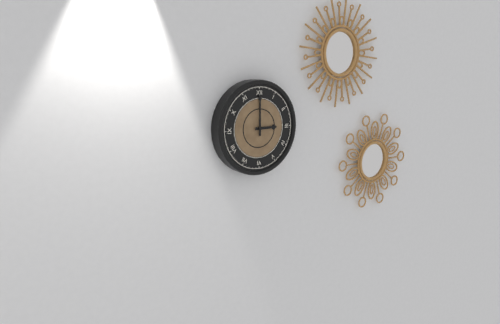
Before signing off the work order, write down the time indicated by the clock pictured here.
3:00
